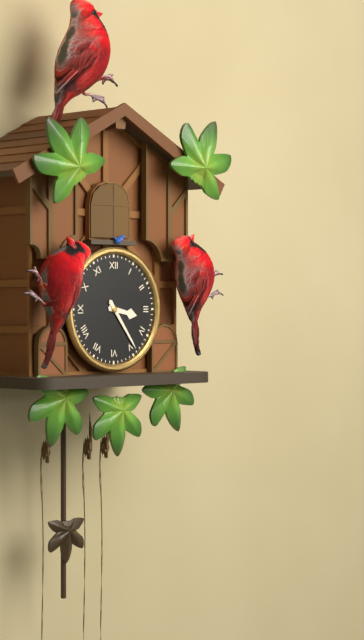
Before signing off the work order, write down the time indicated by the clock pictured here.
3:24
